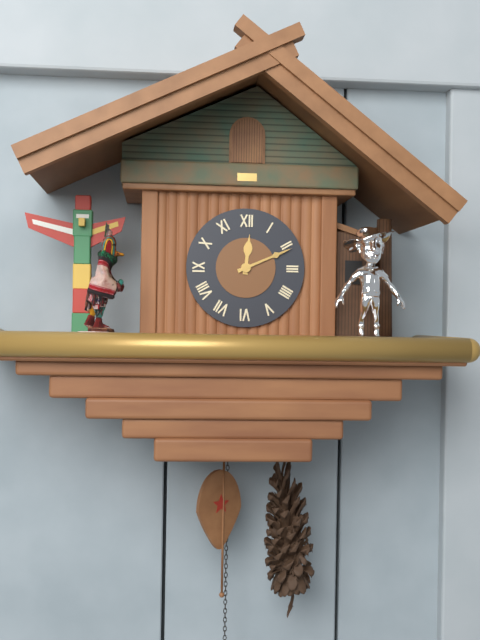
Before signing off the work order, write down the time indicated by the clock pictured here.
12:11
